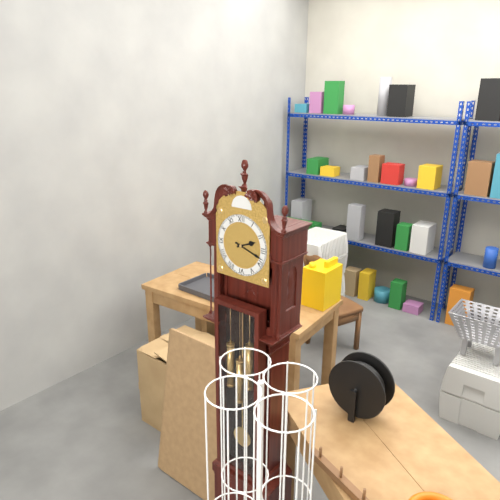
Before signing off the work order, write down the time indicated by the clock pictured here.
2:18
